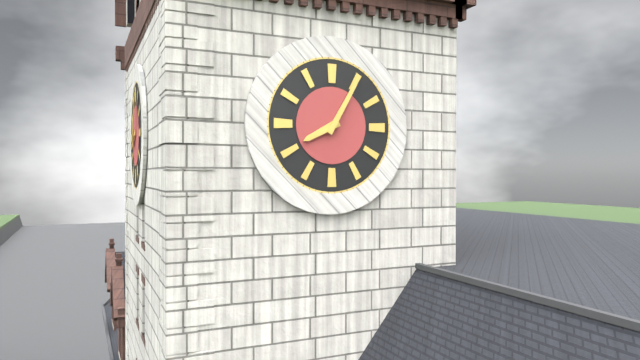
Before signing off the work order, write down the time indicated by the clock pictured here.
8:05
